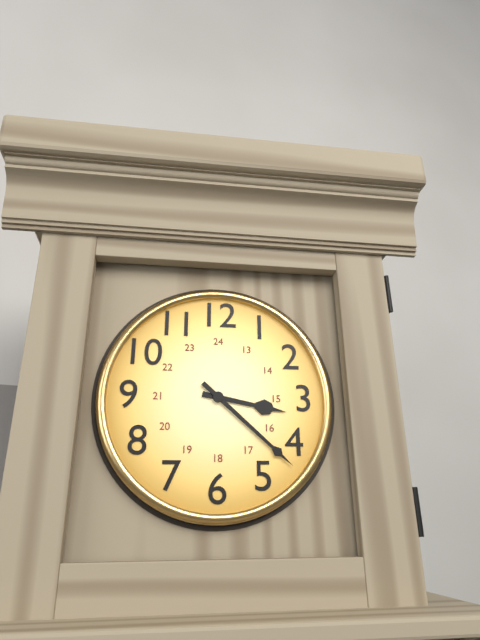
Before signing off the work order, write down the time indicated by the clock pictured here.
3:22
